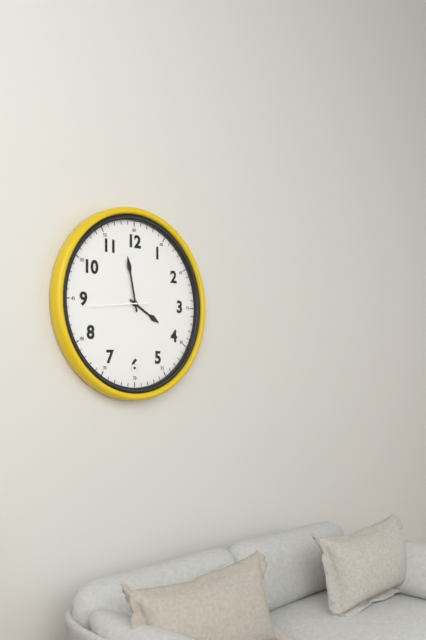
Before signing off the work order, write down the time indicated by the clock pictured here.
3:58:44
